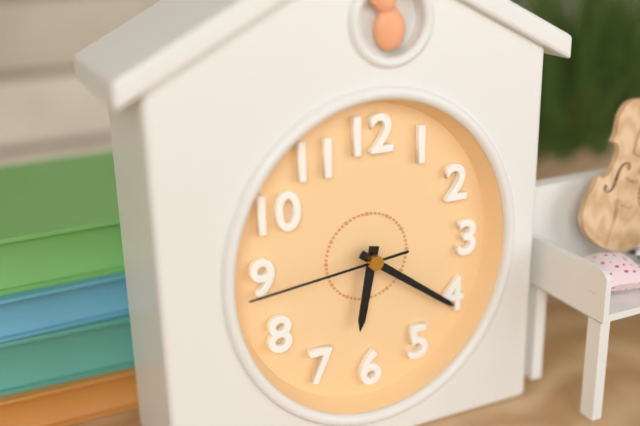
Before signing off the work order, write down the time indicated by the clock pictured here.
6:21:44
